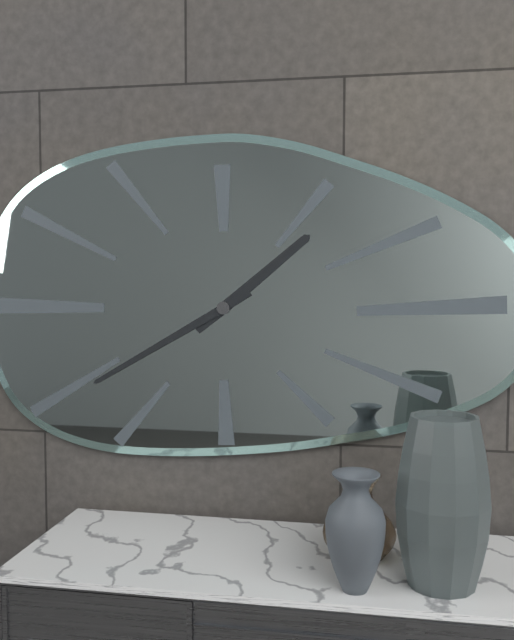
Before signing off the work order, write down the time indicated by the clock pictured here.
1:40
